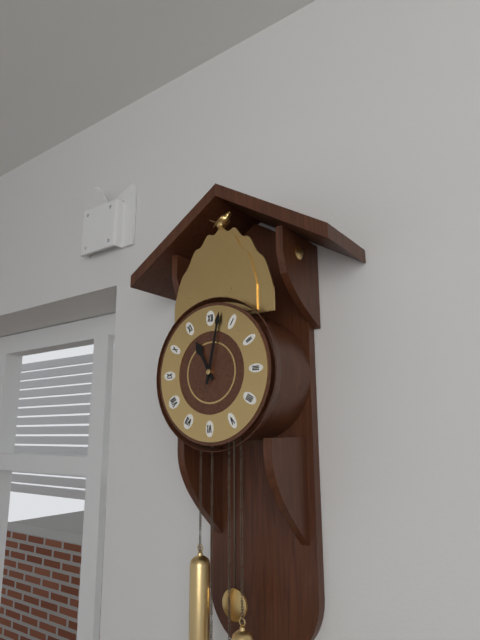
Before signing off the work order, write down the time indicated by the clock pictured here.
11:02
